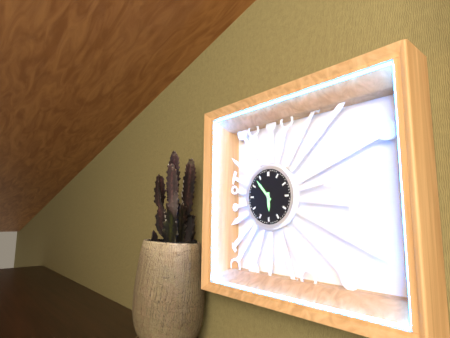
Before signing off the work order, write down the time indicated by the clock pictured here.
5:53
